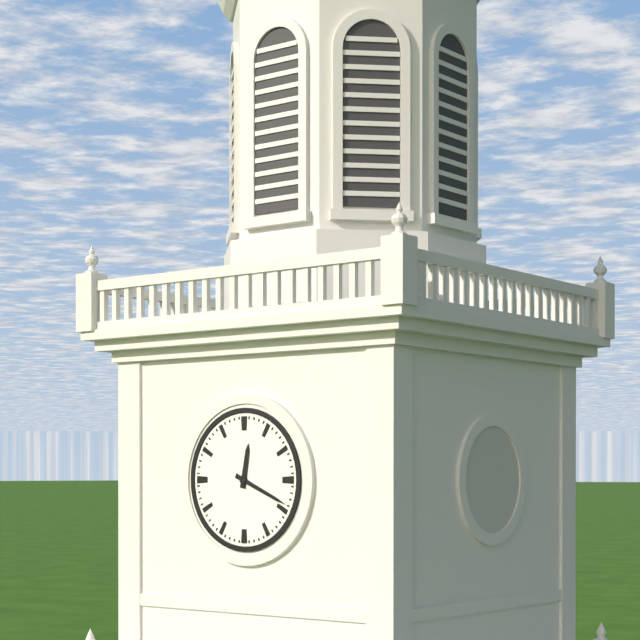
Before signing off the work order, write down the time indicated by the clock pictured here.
12:19
